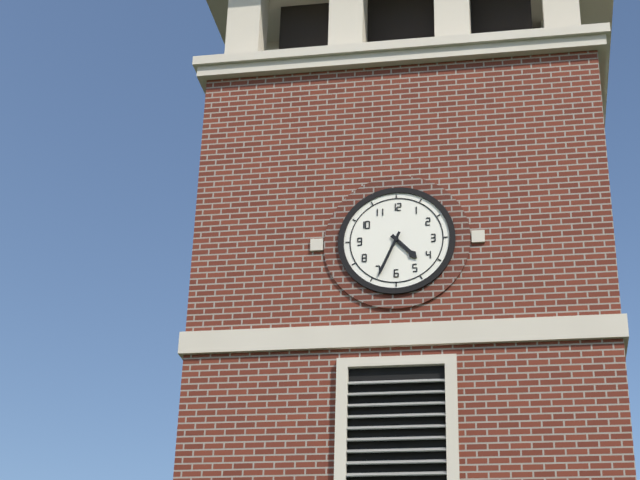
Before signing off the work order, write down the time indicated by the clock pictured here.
4:34
